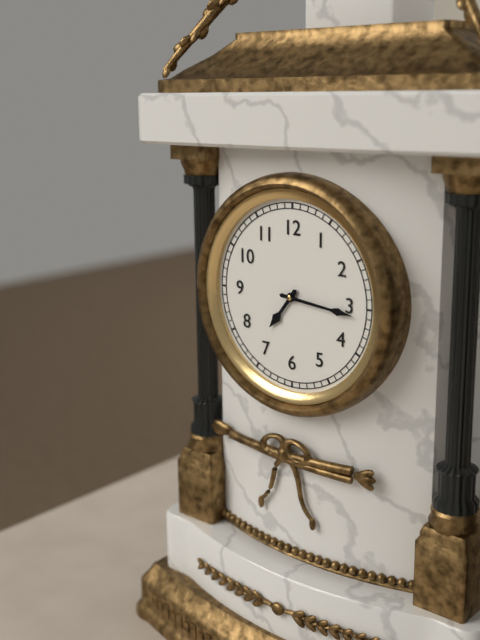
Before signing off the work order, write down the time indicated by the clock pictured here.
7:16
